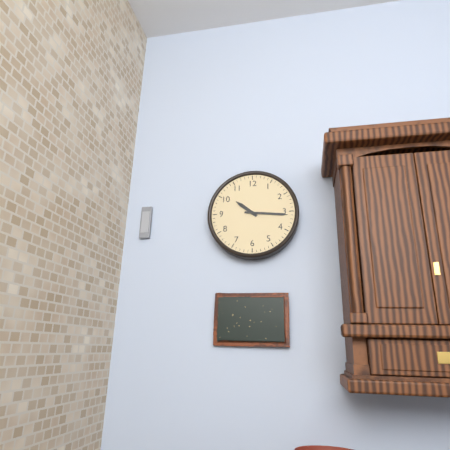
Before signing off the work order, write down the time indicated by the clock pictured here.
10:16
